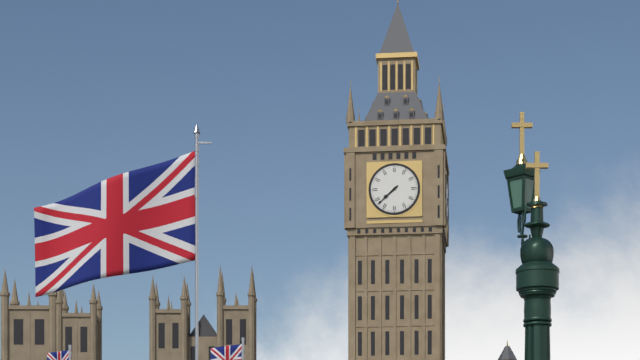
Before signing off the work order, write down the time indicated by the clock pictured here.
7:38
